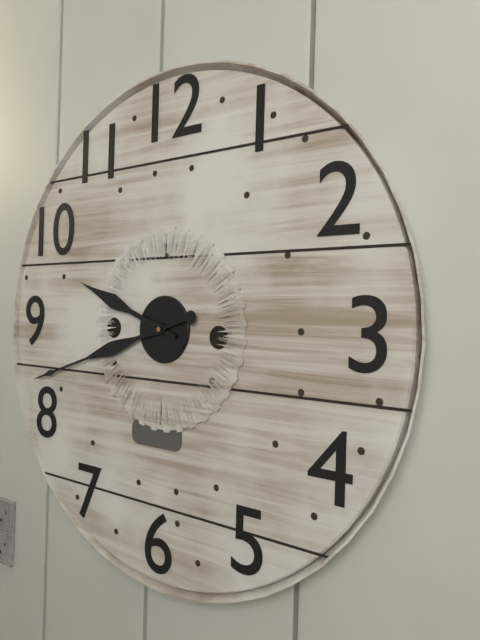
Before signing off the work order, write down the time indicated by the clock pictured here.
9:42
